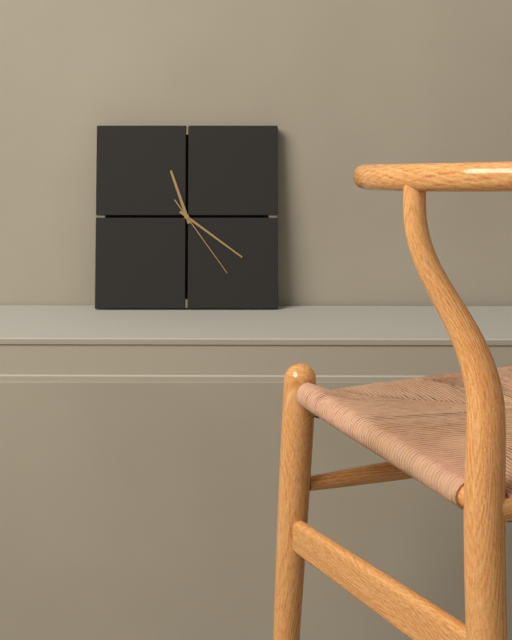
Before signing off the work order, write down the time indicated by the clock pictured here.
11:21:24
